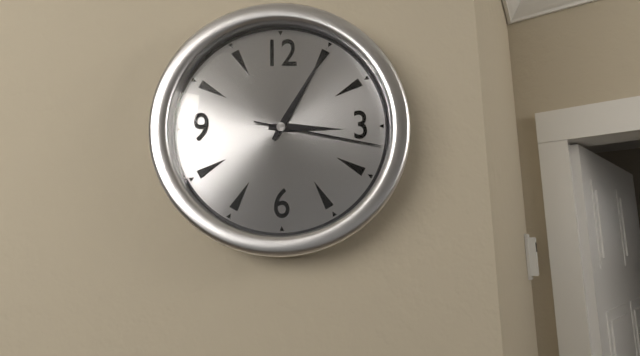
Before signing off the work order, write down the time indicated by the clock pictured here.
3:05:17
